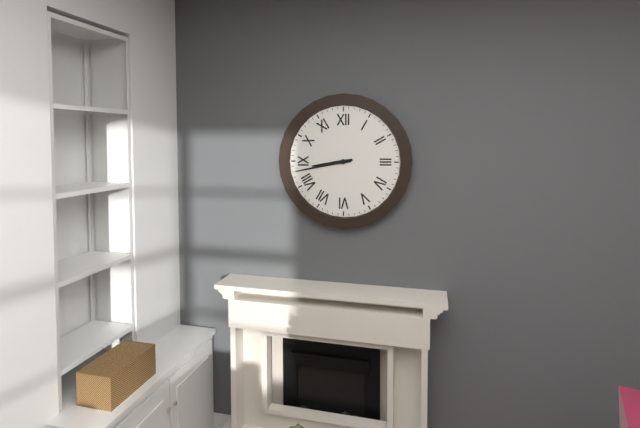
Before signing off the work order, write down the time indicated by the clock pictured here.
8:43
